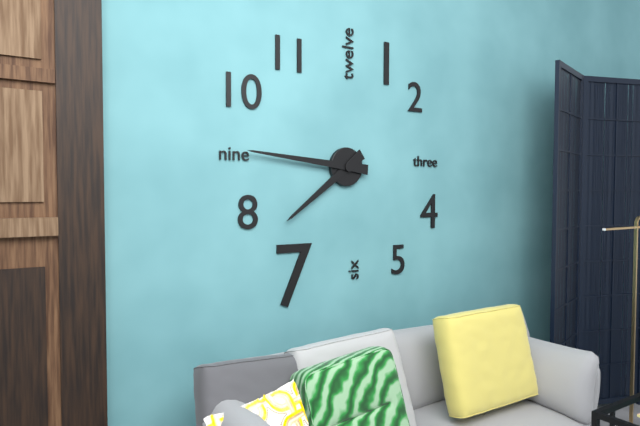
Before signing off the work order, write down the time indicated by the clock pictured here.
7:46
